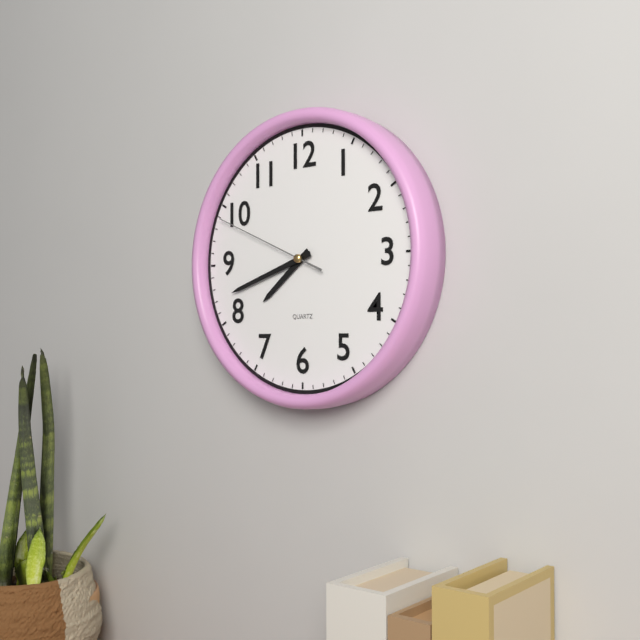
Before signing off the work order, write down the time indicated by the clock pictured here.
7:42:49
